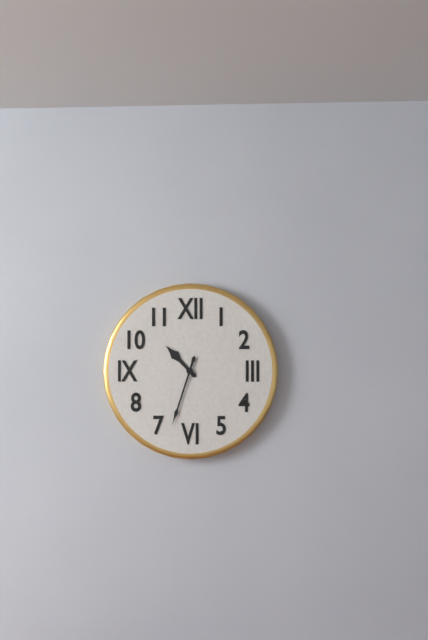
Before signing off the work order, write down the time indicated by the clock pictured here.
10:33
